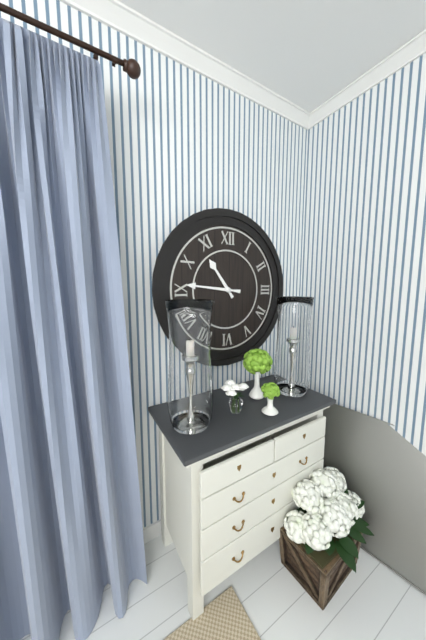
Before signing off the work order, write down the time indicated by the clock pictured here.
10:46
